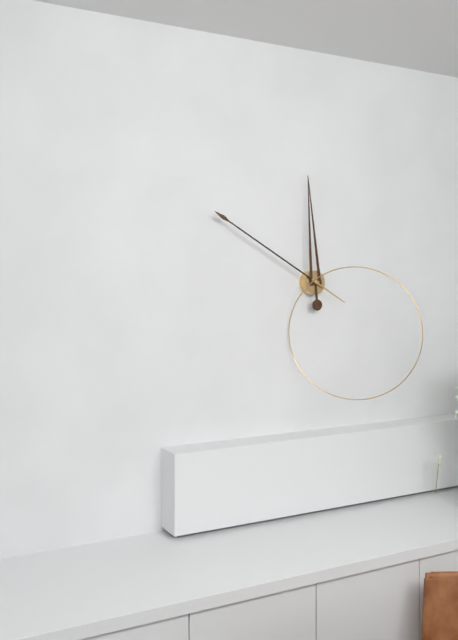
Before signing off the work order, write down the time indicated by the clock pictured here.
11:50
